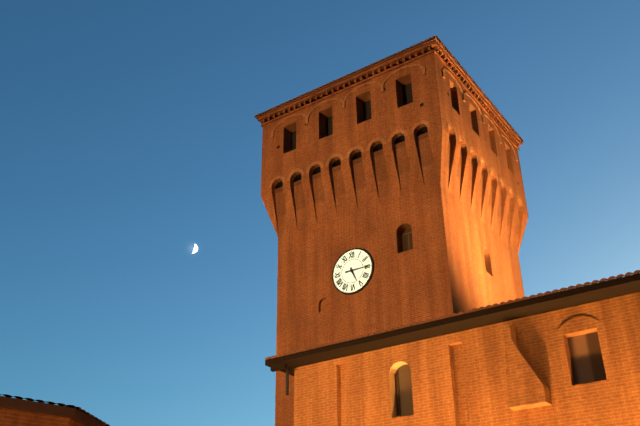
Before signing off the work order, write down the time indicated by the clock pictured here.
5:15
